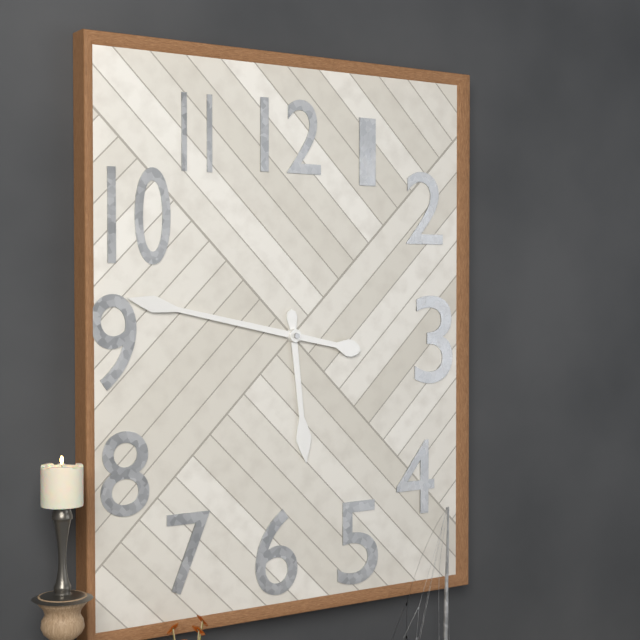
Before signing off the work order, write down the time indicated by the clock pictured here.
5:47
